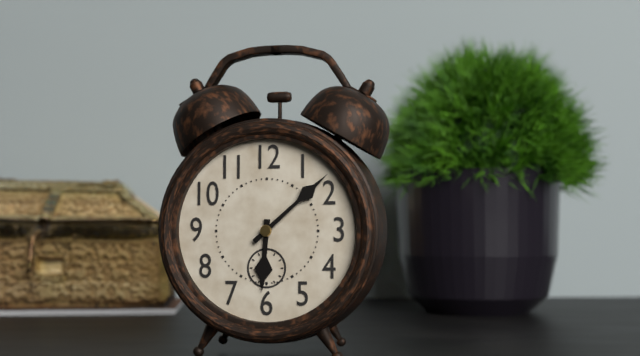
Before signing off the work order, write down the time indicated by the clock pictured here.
6:08
